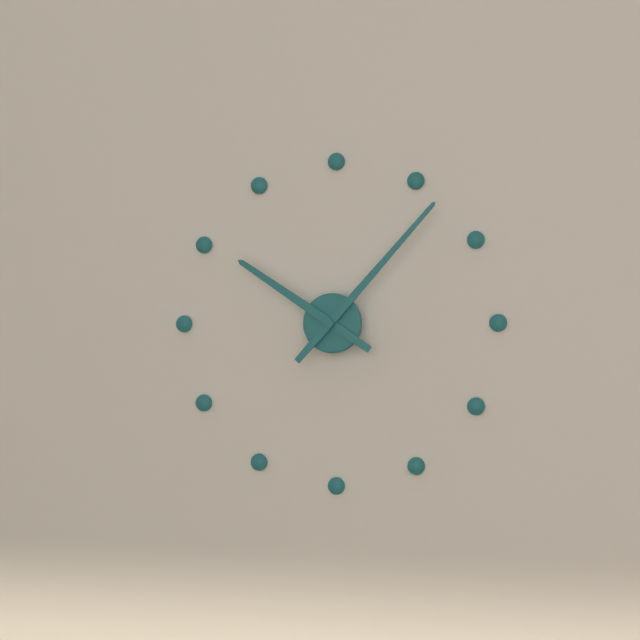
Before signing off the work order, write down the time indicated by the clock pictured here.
10:07
